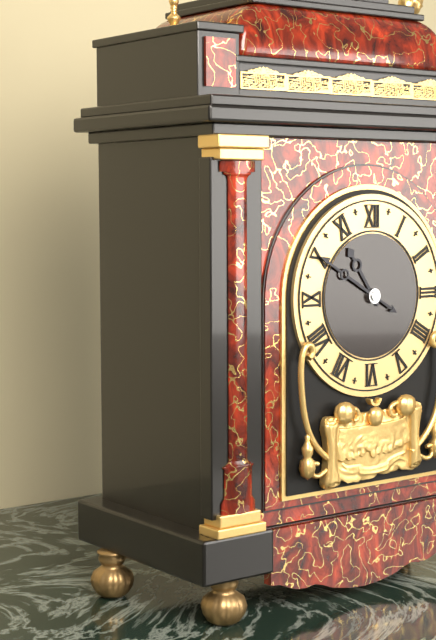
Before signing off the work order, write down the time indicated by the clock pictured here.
10:50
